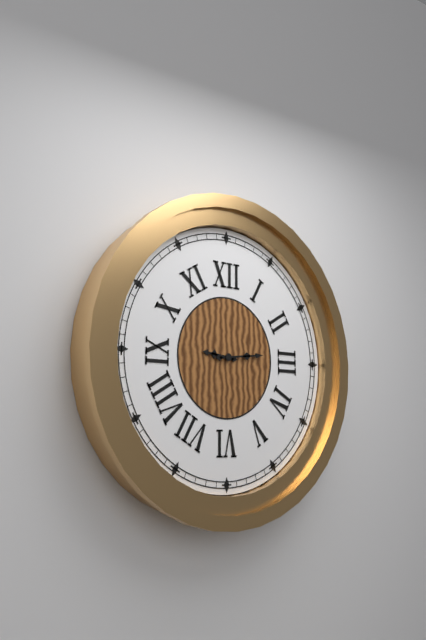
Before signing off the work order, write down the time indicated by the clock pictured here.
9:14
